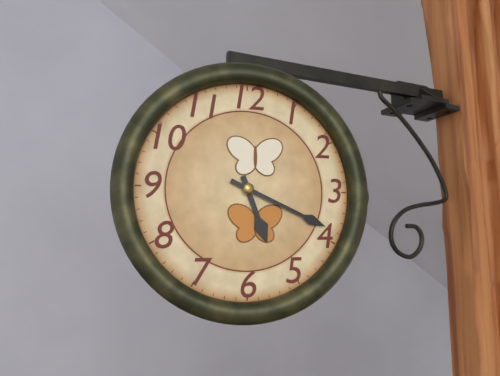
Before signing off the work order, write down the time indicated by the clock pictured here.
5:19
